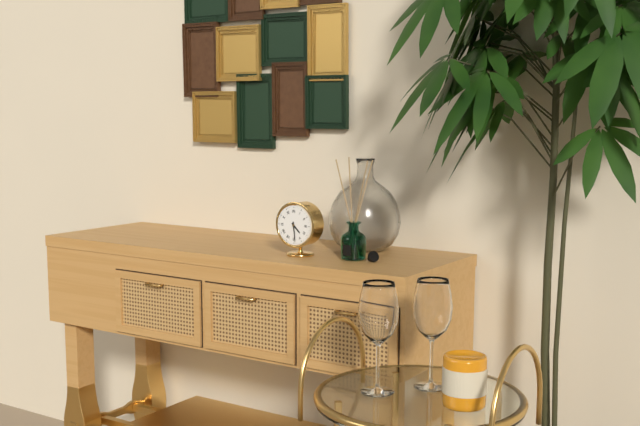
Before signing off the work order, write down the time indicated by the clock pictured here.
4:29
